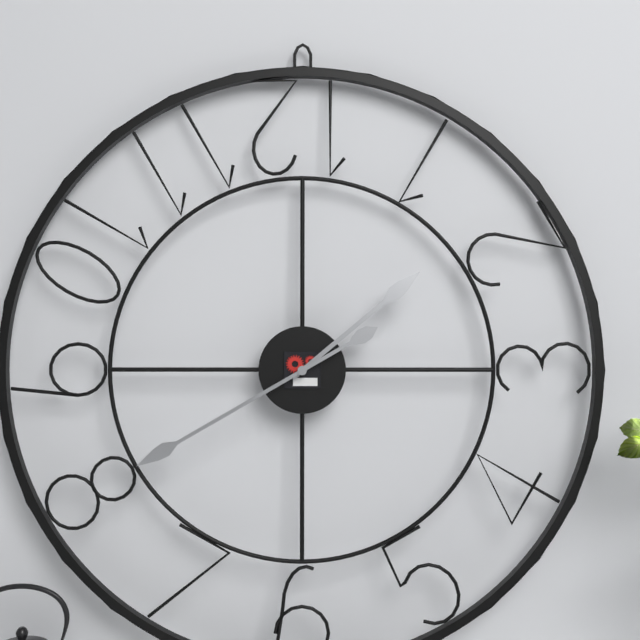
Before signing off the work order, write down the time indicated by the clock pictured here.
1:40
